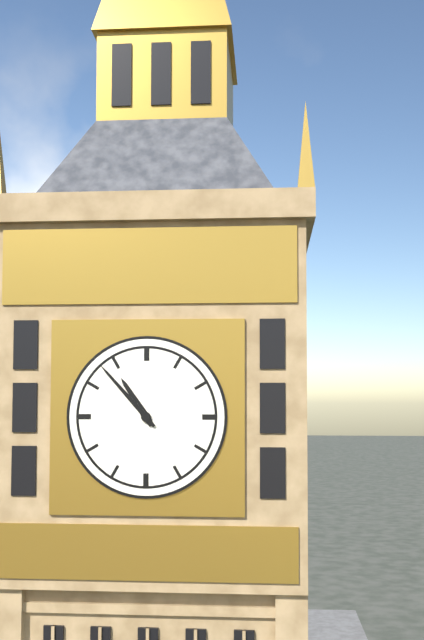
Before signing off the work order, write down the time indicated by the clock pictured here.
10:53
